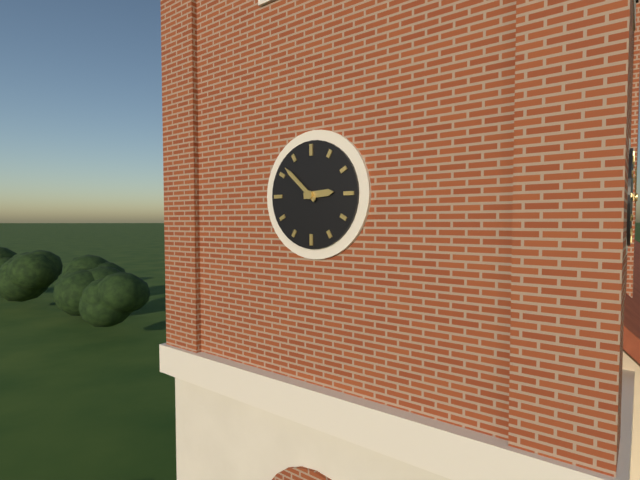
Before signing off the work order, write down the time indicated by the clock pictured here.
2:52
